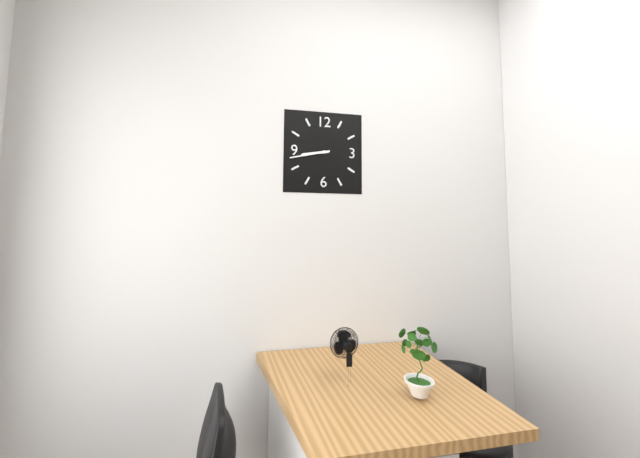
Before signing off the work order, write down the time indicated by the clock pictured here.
8:43
